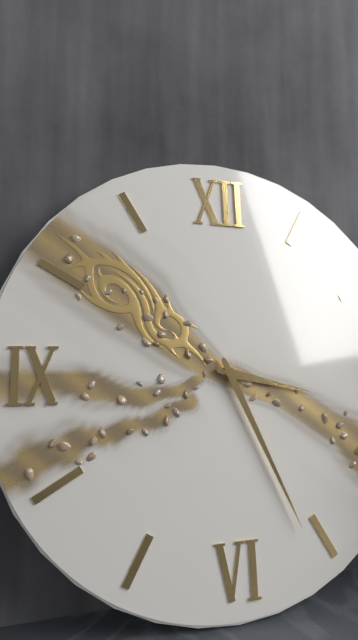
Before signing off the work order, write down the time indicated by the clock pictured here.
3:26
